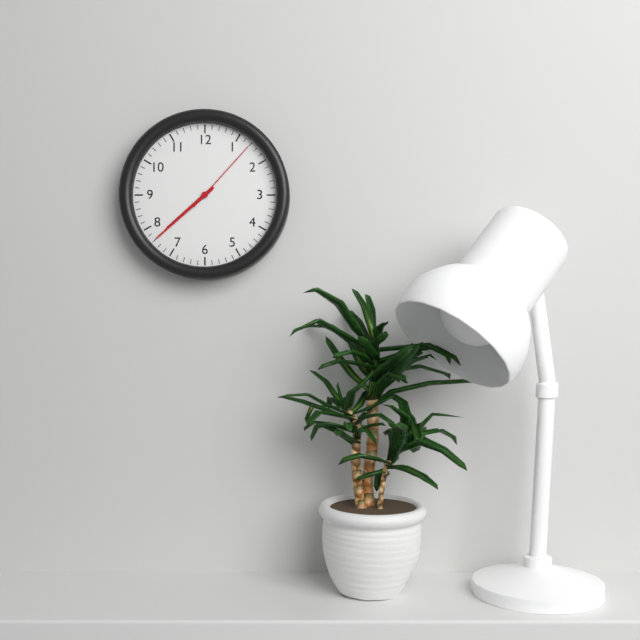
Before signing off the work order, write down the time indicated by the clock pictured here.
7:38:07
